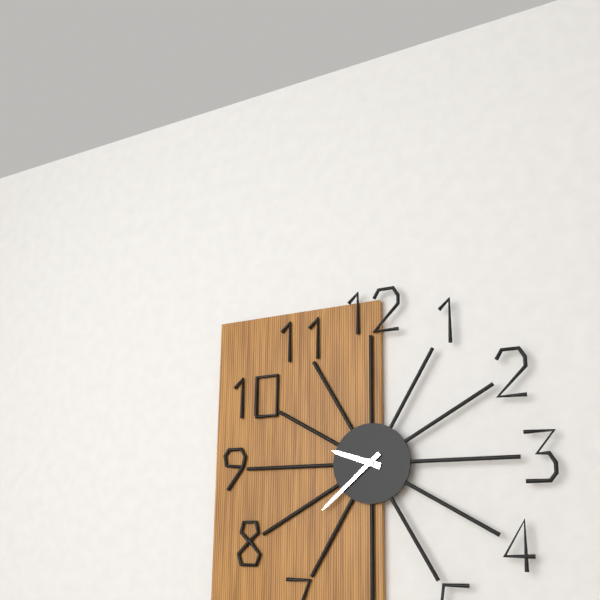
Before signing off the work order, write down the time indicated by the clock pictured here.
9:38
